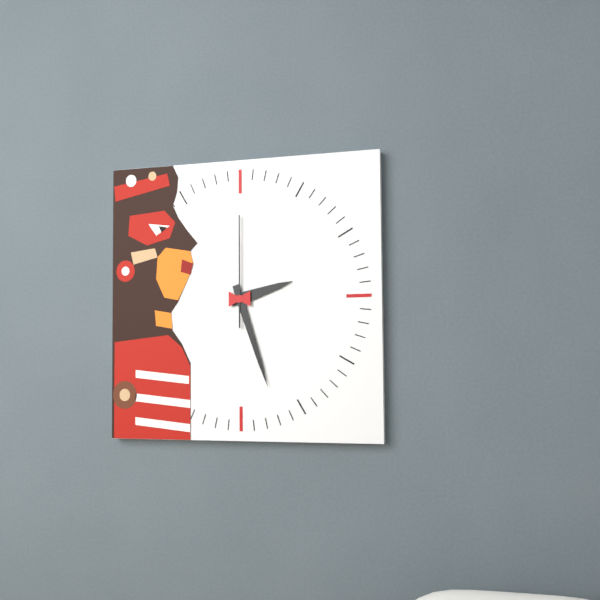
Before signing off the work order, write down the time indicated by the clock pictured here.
2:27:00
